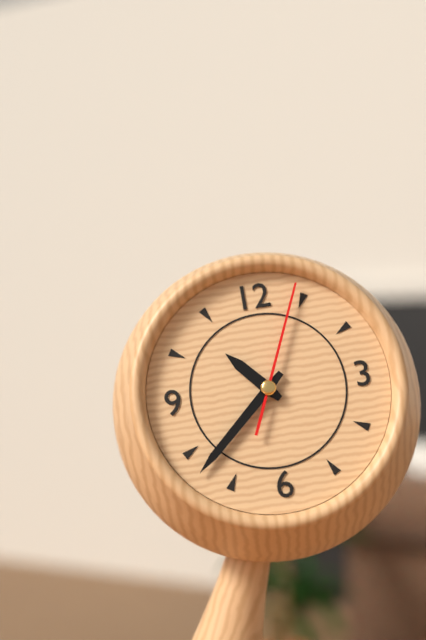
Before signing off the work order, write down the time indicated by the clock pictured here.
10:38:04
